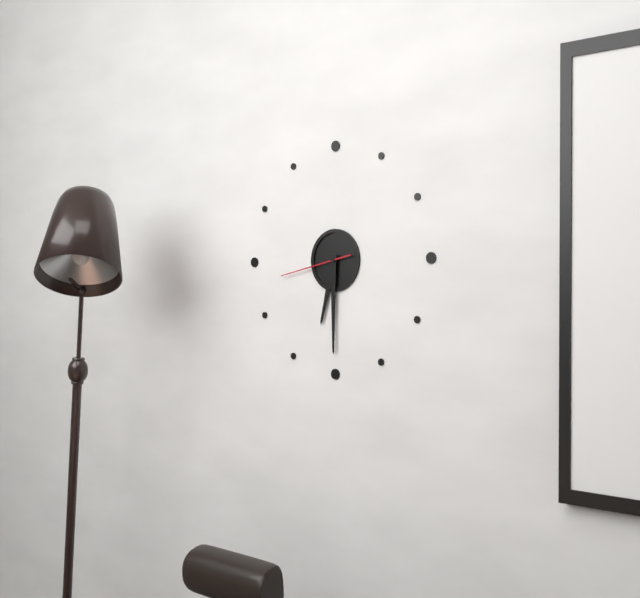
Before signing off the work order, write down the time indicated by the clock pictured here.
6:30:43
